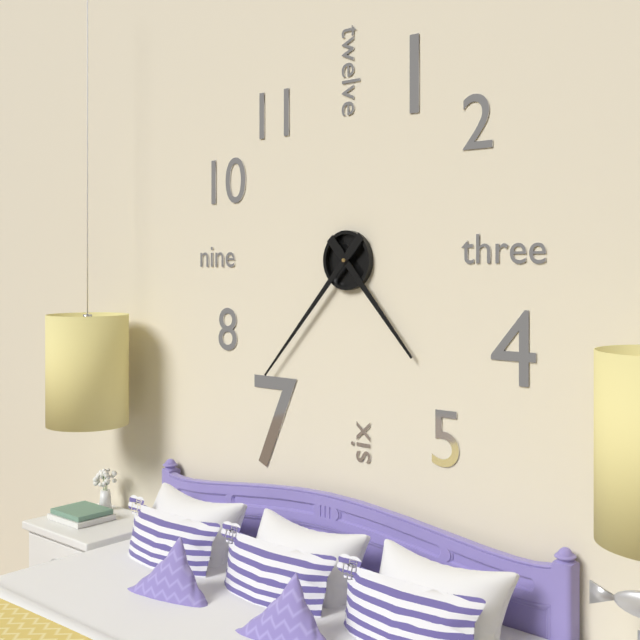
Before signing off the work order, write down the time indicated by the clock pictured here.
4:37
